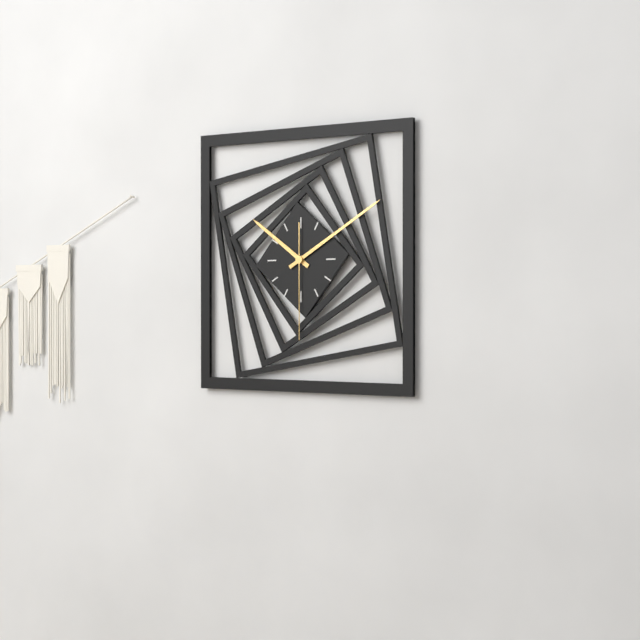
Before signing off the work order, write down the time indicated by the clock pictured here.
10:10:30
